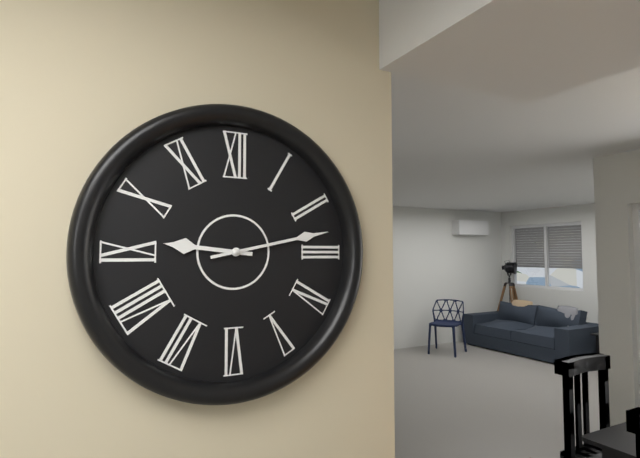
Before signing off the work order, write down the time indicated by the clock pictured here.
9:13
